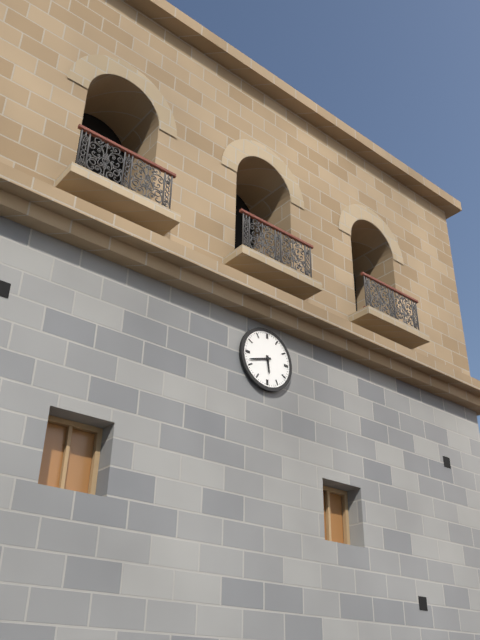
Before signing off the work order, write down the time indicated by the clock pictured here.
5:42
